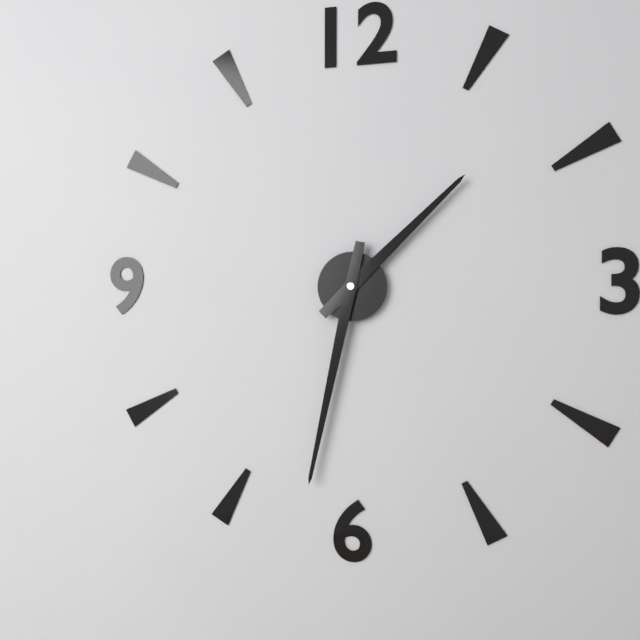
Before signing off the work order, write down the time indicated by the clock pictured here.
1:32
